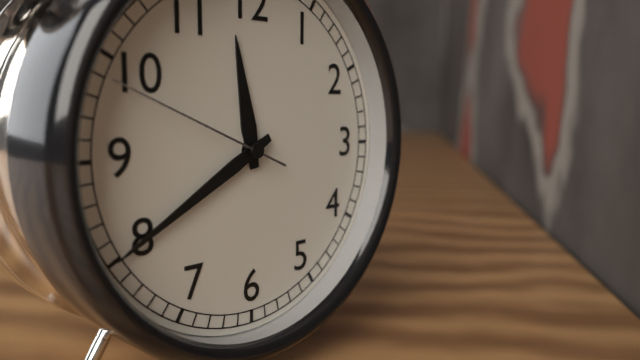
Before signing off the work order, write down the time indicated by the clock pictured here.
11:40:49
